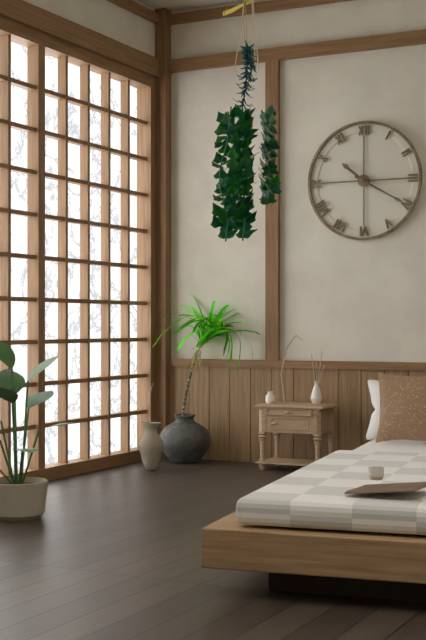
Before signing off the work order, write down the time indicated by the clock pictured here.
10:20
